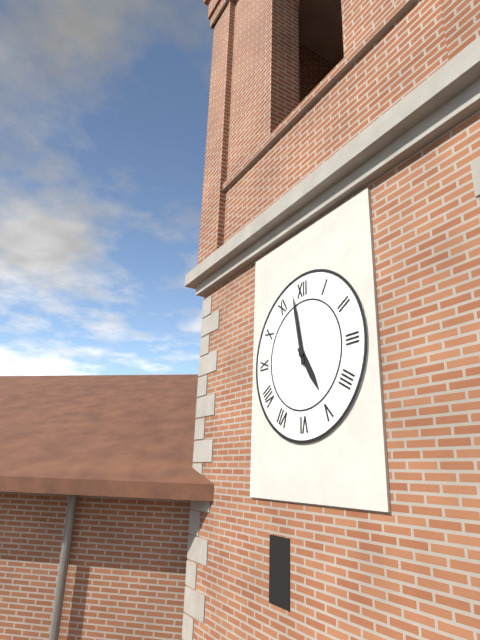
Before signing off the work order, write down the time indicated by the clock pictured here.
4:58
